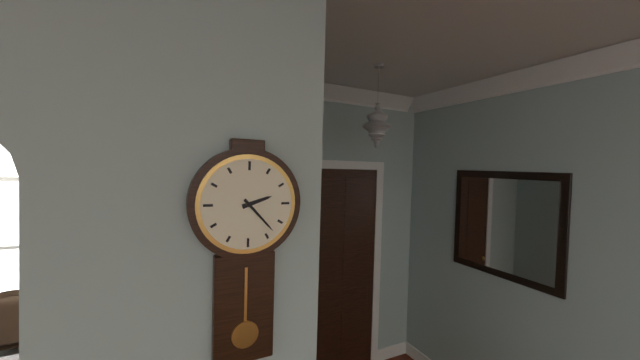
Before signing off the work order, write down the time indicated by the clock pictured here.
2:23
